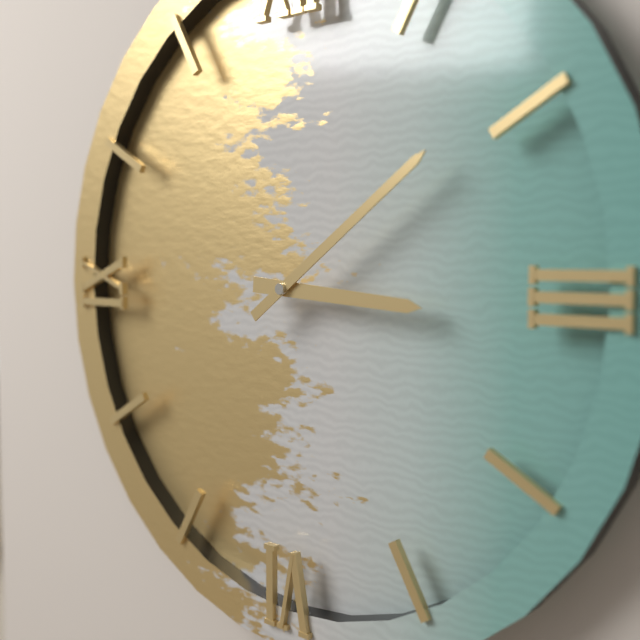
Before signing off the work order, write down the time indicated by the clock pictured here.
3:09
